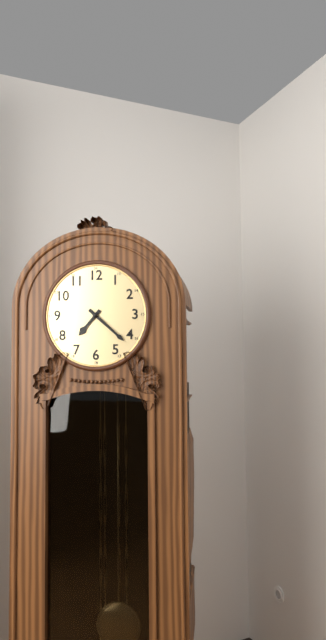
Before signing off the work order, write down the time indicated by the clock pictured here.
7:22
